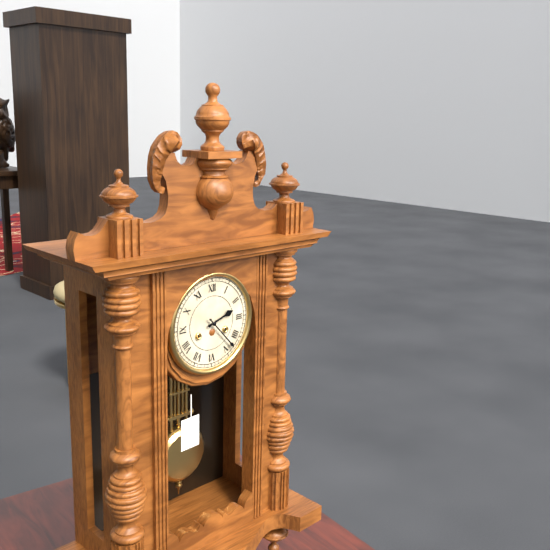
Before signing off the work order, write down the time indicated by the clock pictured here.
2:23
